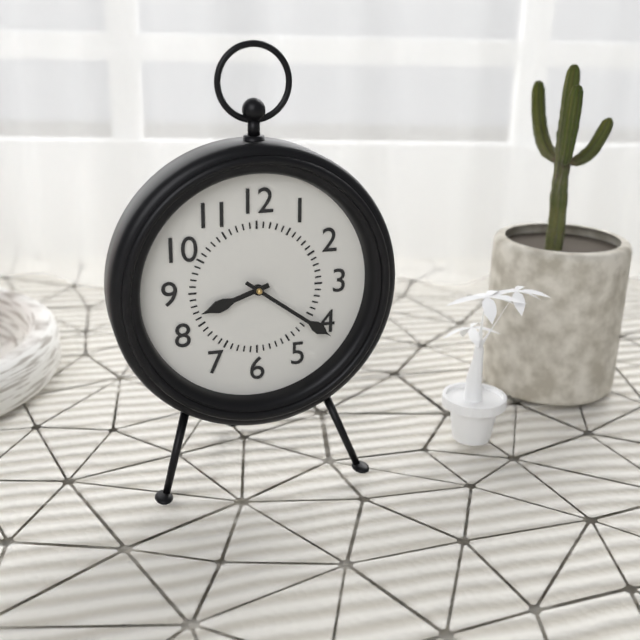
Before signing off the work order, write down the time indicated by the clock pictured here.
8:21
